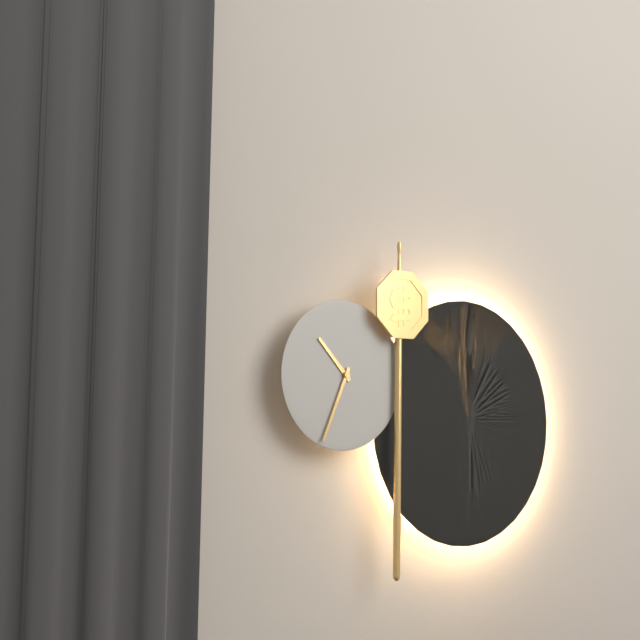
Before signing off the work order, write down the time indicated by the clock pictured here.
10:34
